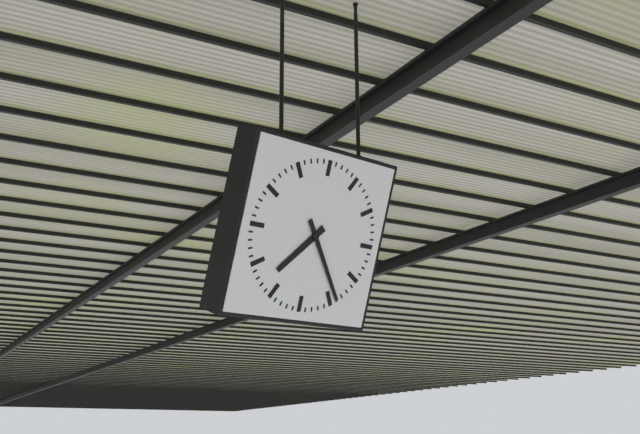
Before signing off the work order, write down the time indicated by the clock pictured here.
7:24
